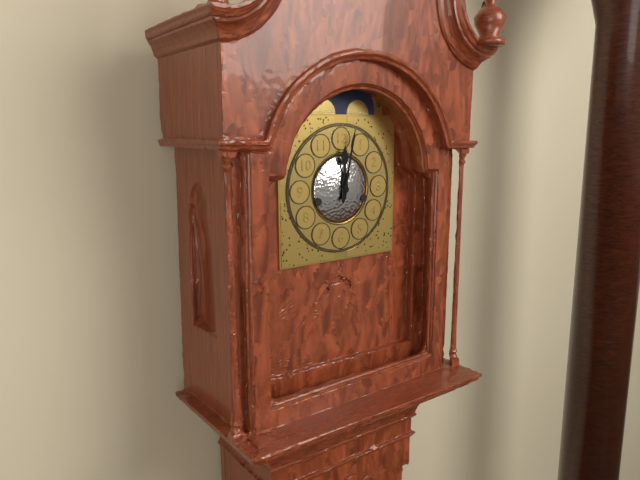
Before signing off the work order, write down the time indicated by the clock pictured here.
12:02
